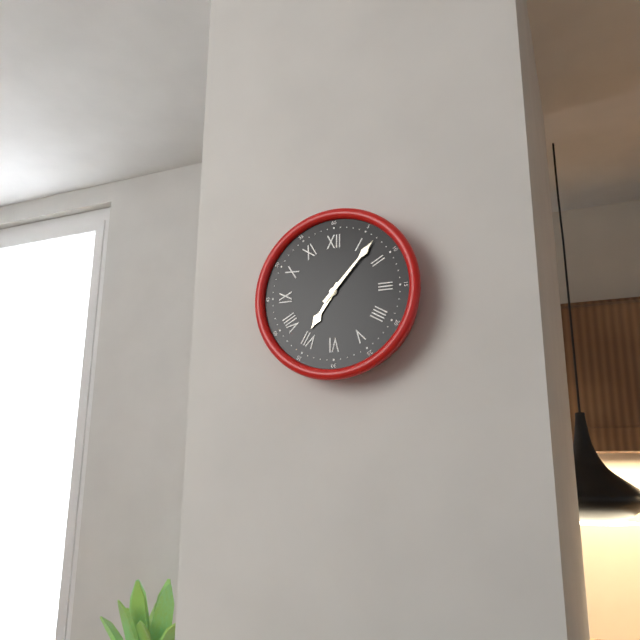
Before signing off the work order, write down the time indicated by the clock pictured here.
7:07
